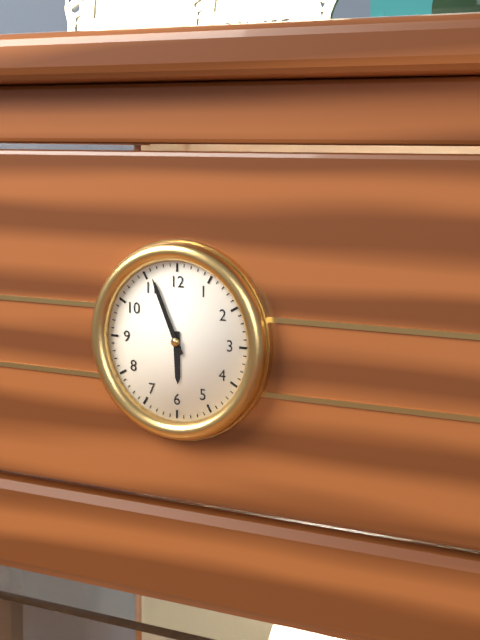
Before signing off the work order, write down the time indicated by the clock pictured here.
5:56
